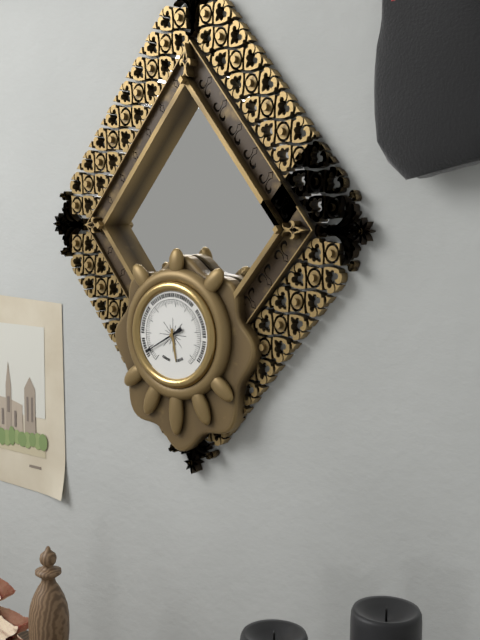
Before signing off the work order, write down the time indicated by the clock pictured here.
5:40
